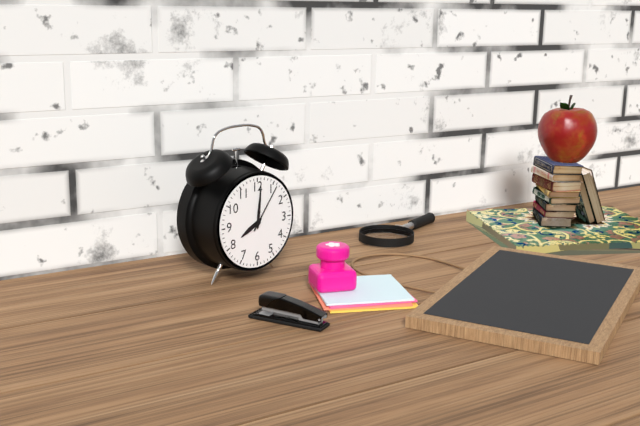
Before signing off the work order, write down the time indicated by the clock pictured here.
8:01:06
